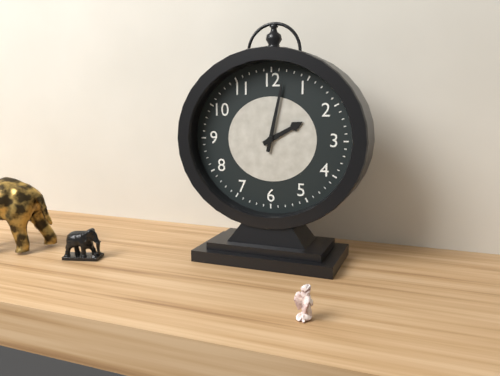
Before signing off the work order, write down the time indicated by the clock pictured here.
2:02
